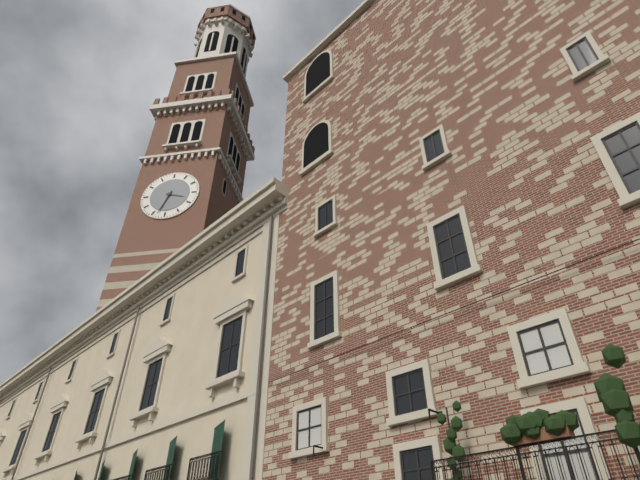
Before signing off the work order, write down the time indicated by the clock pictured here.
3:33
